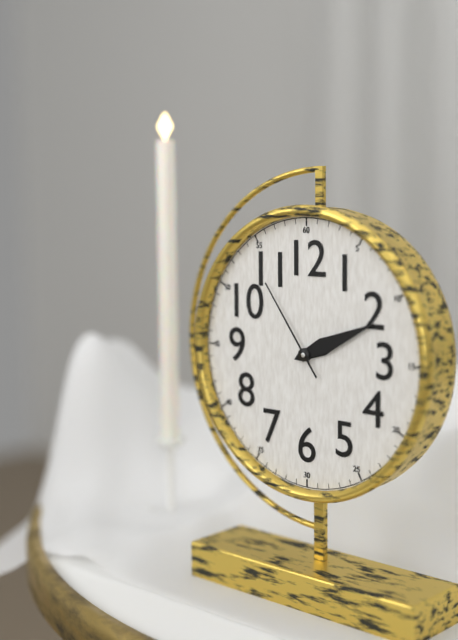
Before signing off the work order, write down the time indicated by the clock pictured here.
2:11:54
